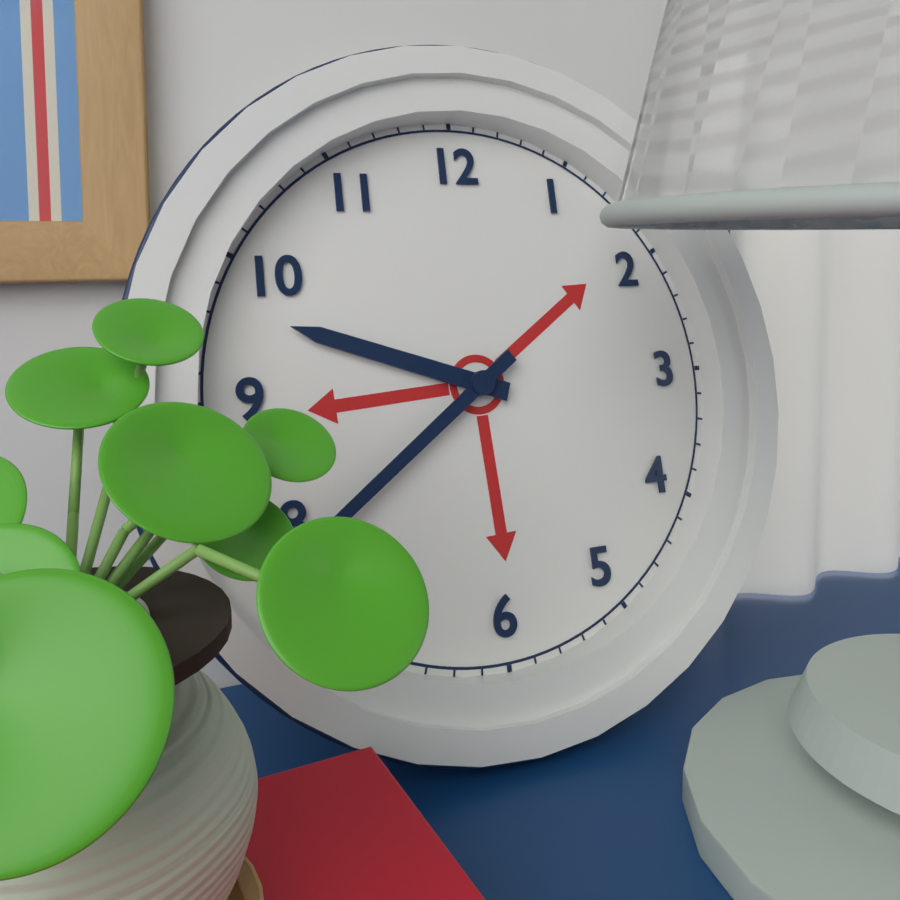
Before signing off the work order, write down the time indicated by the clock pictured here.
9:39
